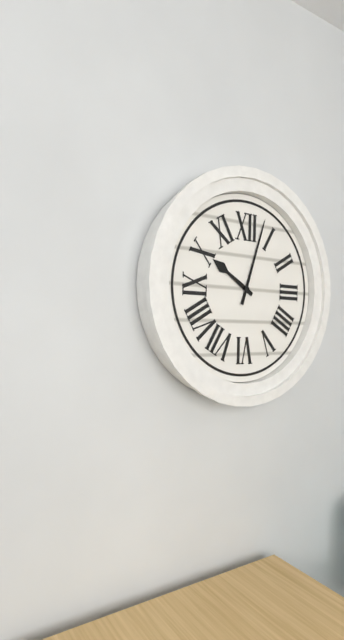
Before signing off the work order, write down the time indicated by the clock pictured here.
10:03
